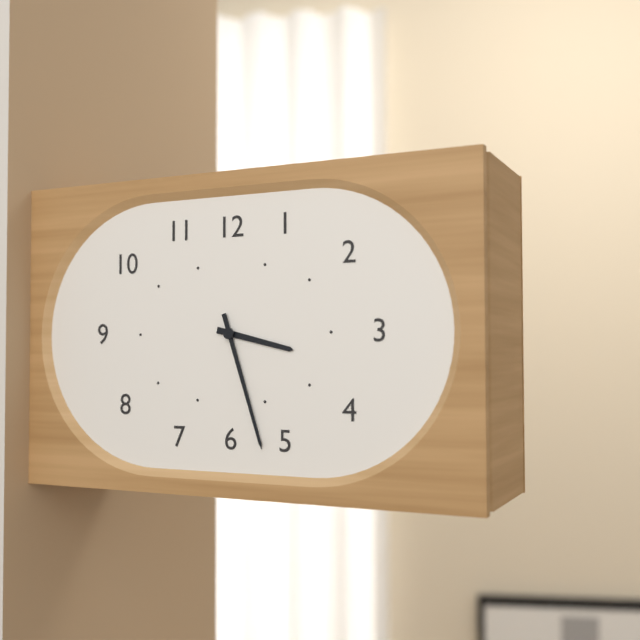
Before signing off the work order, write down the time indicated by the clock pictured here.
3:27
